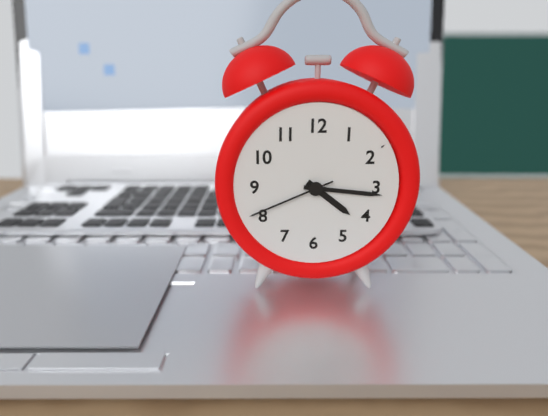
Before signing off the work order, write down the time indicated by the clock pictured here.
4:16:41
